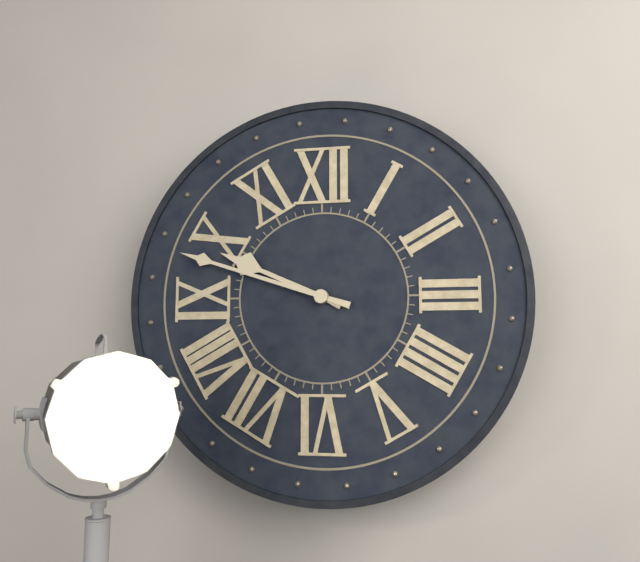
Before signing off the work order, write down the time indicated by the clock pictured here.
9:48
